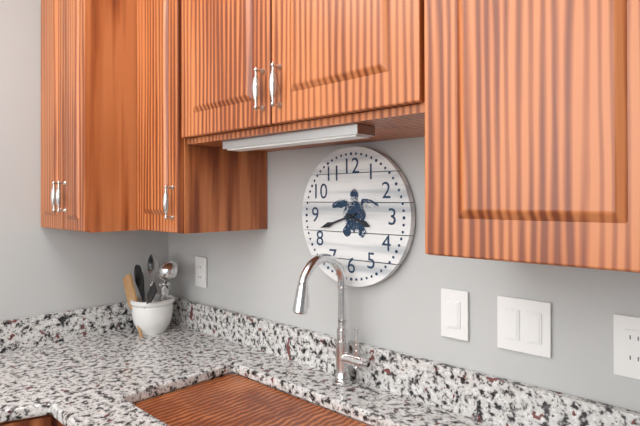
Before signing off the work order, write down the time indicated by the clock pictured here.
3:42
